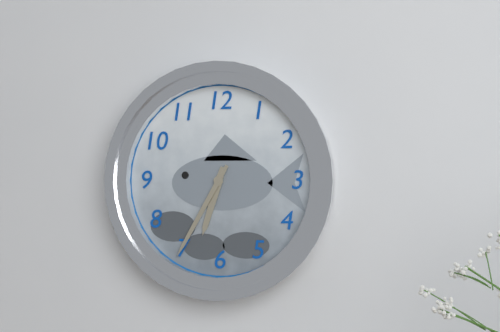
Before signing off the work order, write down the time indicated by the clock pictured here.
6:35
